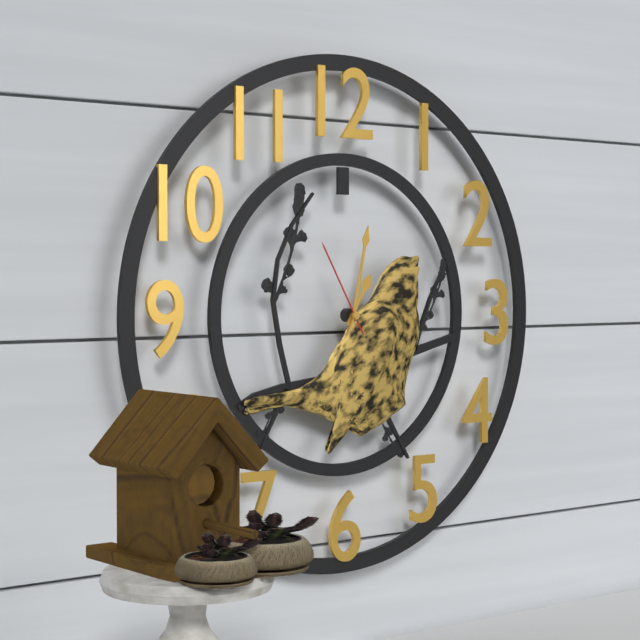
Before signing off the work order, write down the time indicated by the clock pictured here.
1:02:55
